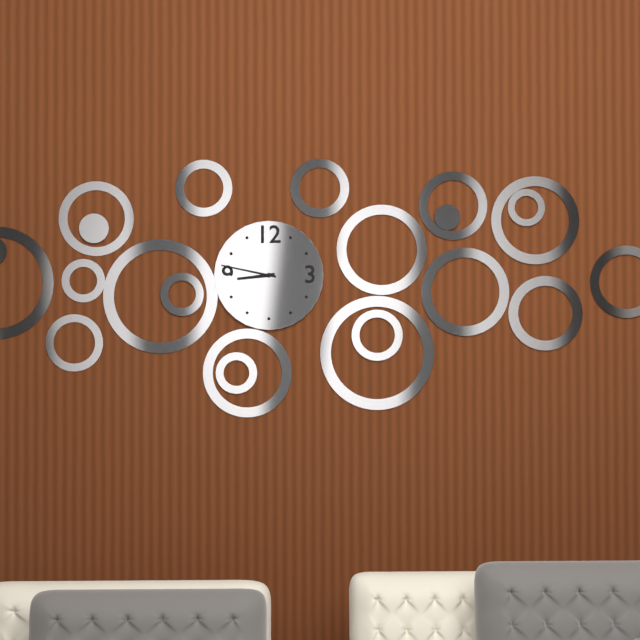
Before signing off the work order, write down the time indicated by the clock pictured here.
8:47
